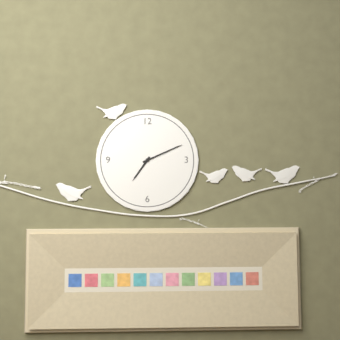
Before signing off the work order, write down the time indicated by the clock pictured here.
7:11
